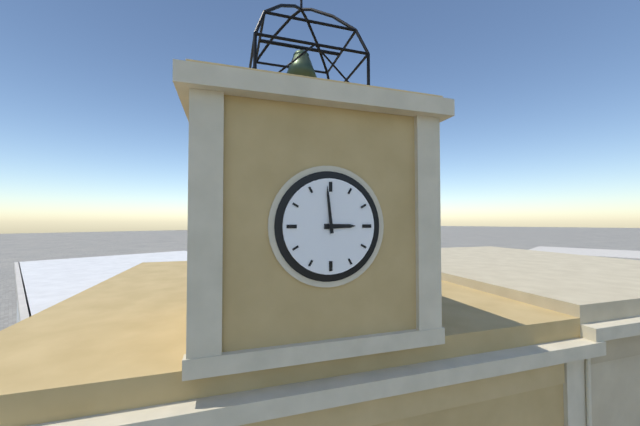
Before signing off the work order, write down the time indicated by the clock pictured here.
2:59
